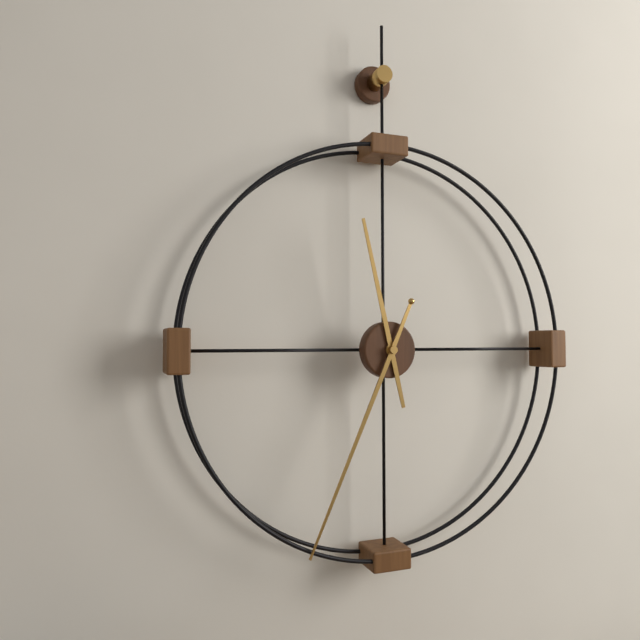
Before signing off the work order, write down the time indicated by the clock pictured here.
11:34
